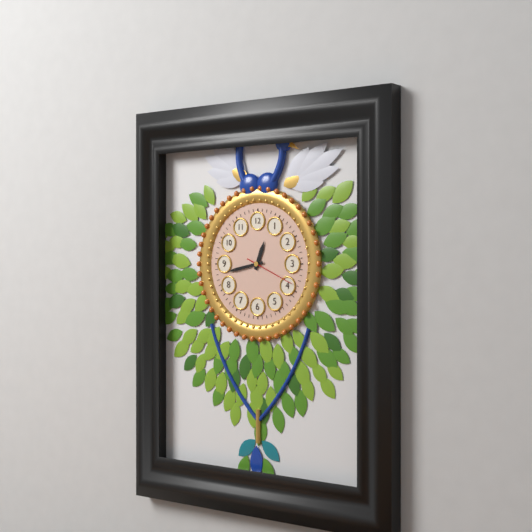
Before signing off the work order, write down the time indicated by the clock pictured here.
12:43:19
